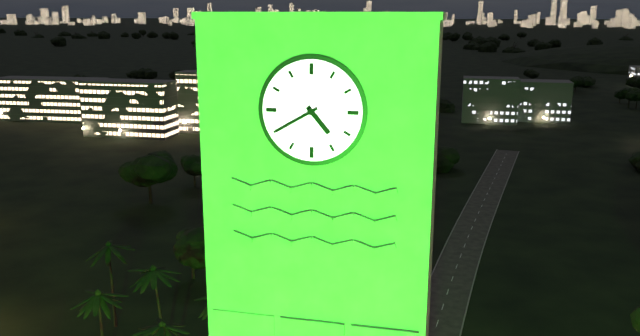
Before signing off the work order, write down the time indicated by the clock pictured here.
4:40
